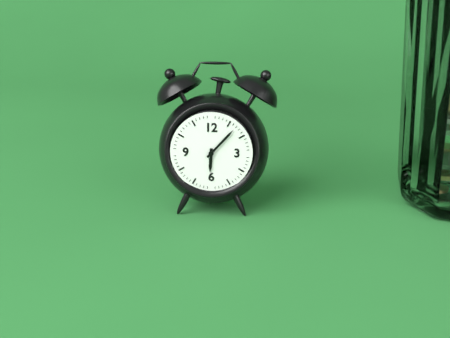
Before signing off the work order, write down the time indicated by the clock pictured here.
6:07
